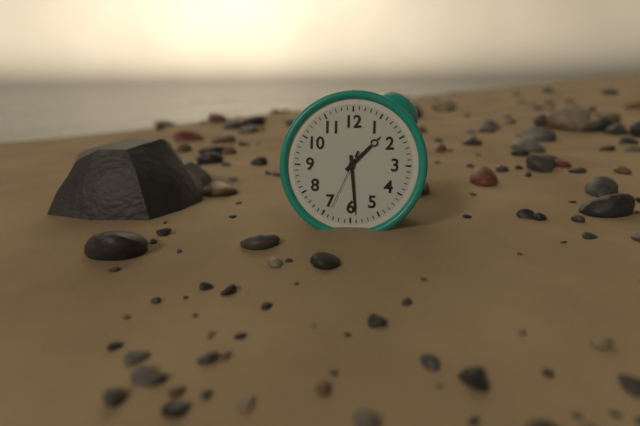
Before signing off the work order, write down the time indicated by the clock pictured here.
1:29:34
